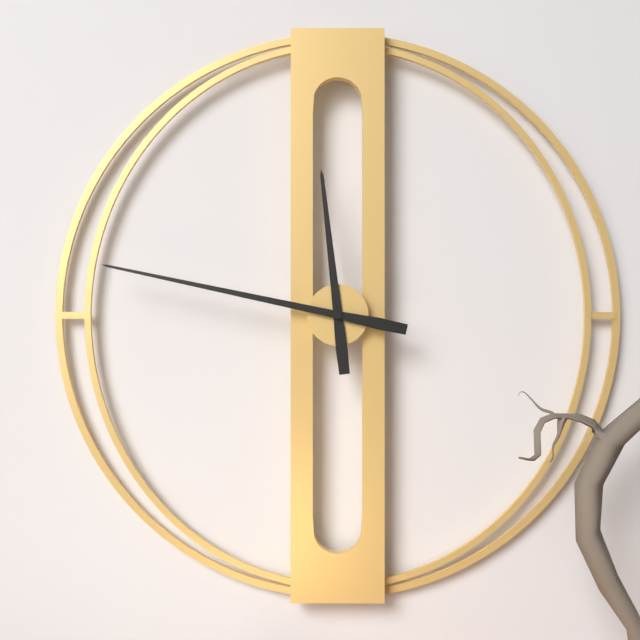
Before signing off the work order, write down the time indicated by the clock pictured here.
11:47
